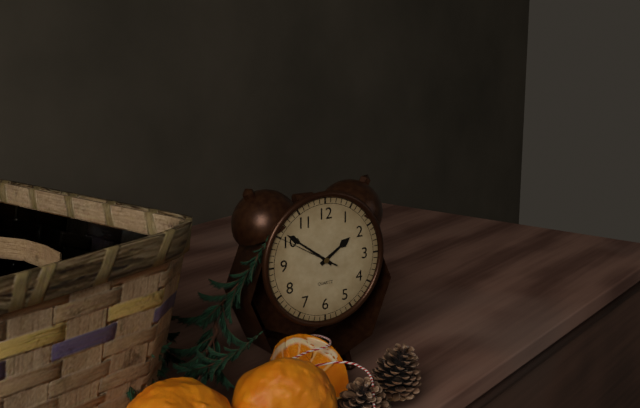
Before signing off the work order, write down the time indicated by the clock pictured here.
1:51:50
